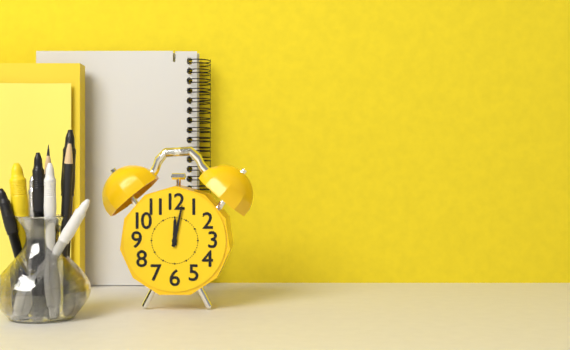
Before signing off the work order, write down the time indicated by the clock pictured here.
12:02
